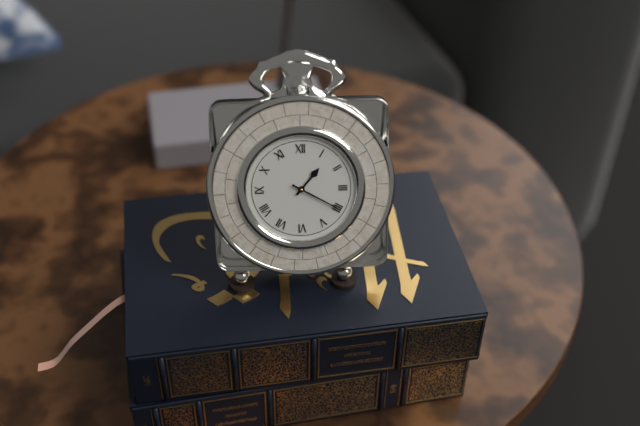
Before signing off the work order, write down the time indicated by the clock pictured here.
1:20
